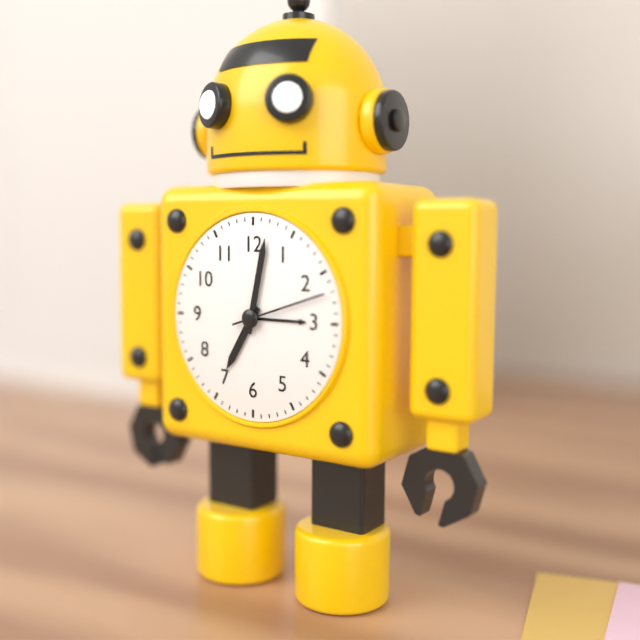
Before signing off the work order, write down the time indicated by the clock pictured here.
7:02:12
